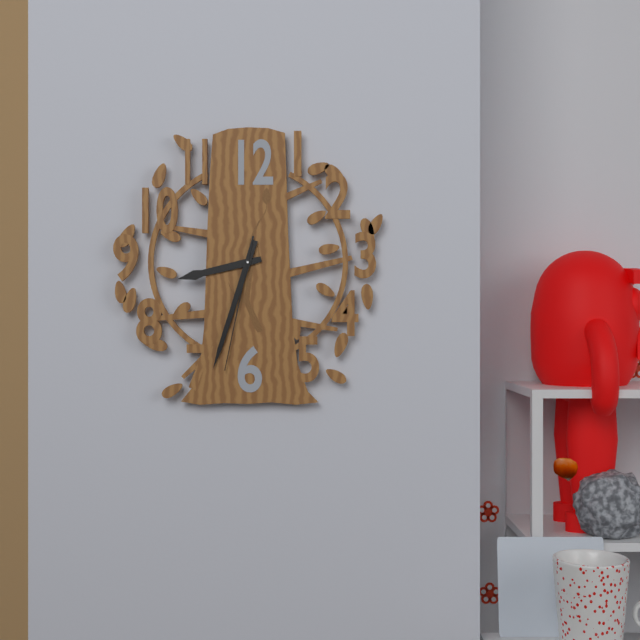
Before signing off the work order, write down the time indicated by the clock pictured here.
8:33:32
